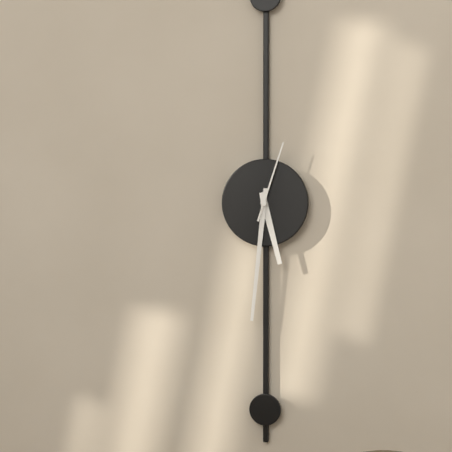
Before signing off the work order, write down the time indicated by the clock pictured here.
5:31:03
